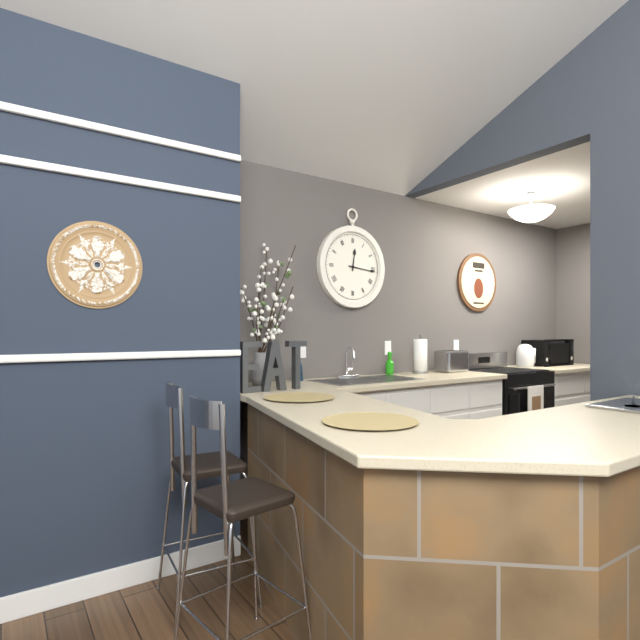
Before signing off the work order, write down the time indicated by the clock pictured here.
12:16
